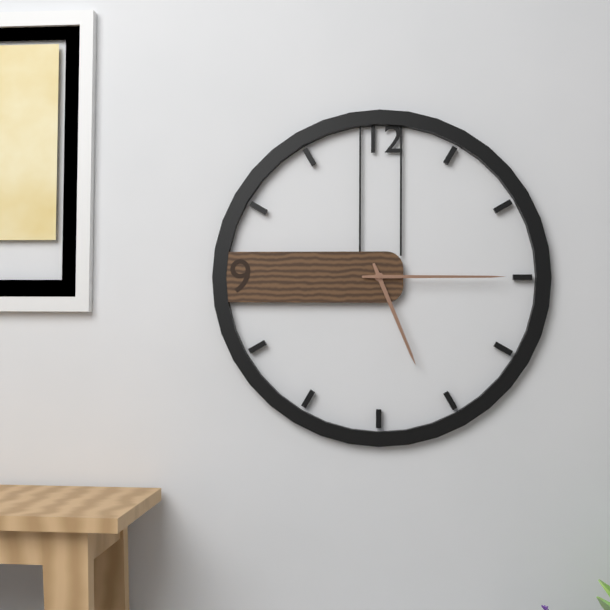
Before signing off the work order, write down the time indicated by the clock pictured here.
5:15
